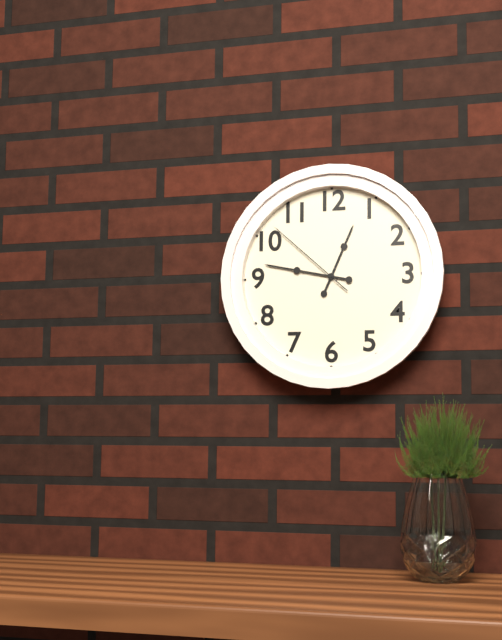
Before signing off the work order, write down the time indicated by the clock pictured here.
12:47:52
